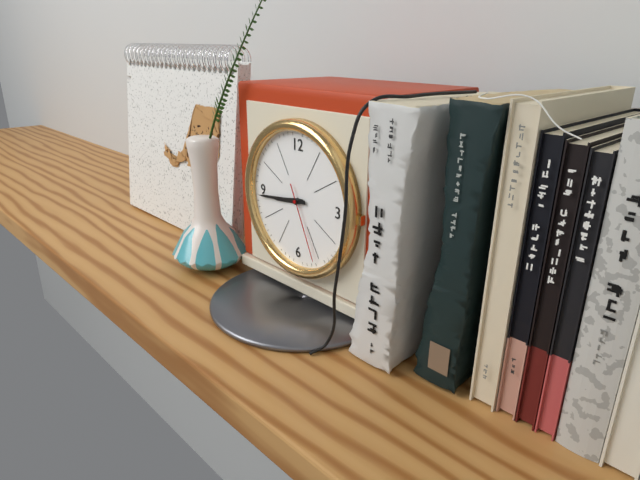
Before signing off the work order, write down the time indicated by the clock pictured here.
8:44:26
